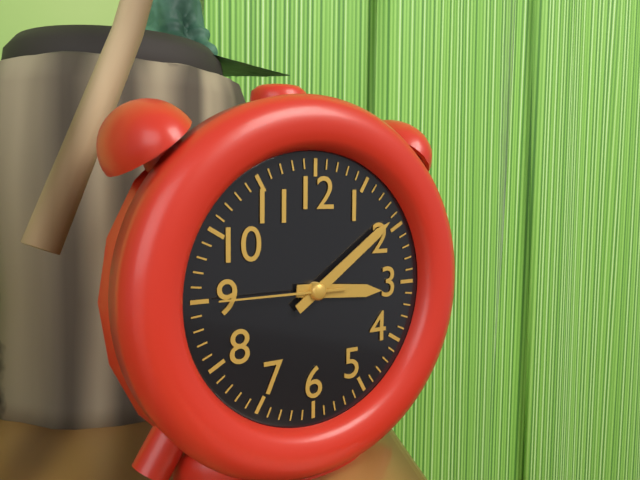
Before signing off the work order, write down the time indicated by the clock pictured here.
3:09:45
